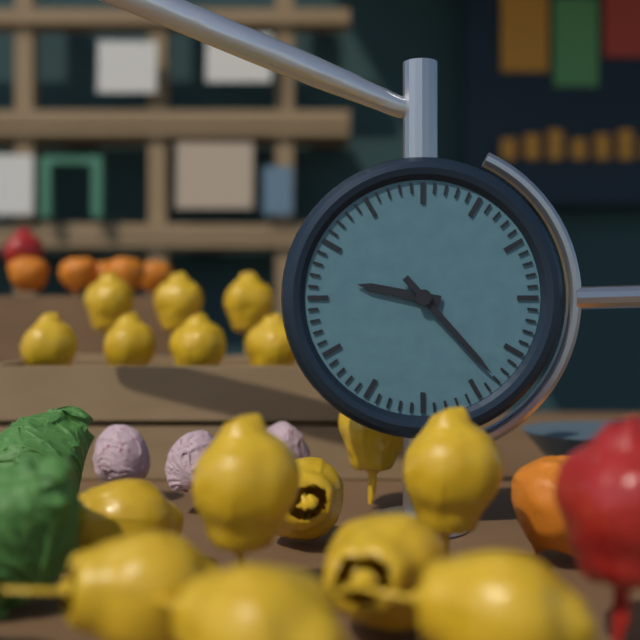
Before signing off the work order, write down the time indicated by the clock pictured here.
9:23
